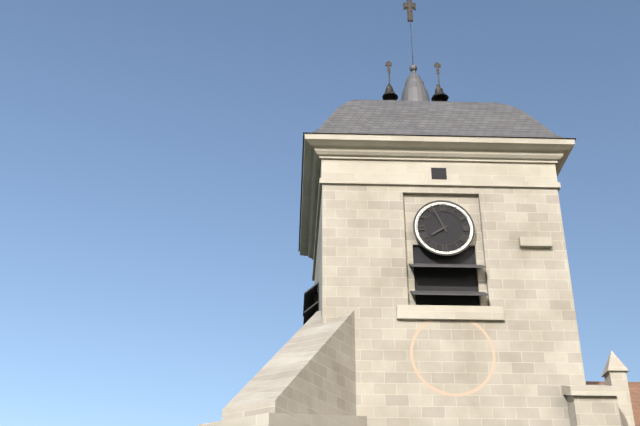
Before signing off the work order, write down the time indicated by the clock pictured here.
7:56
